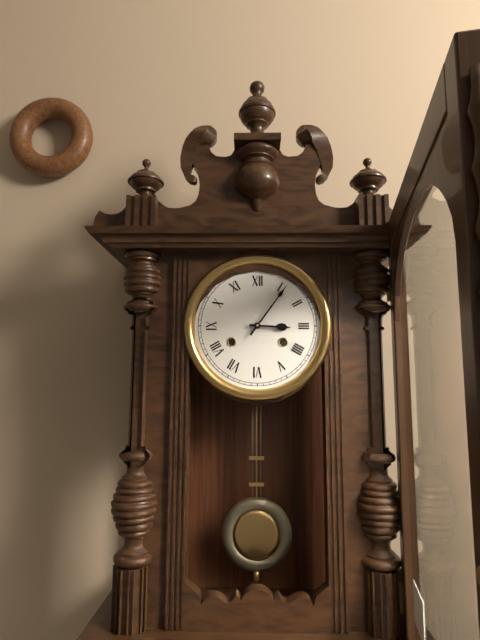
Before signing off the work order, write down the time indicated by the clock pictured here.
3:06
